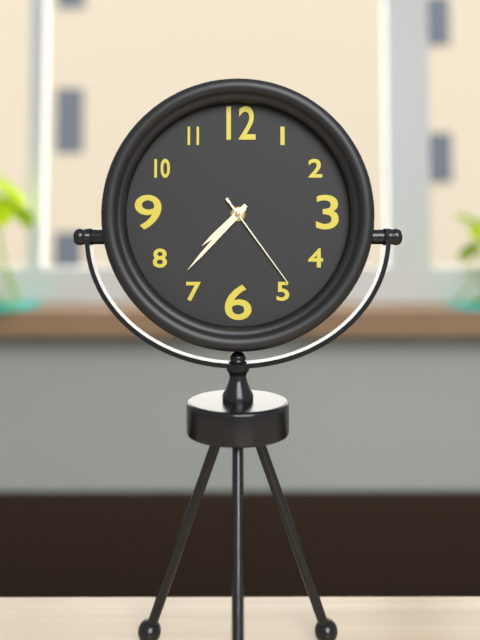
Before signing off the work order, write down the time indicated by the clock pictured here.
7:37:24
